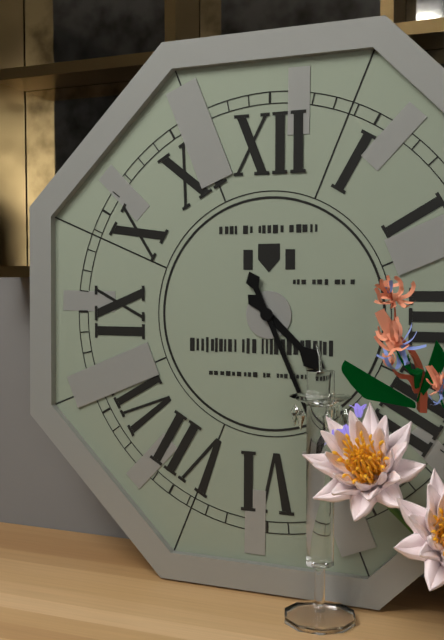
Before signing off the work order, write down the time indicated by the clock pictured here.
4:26
